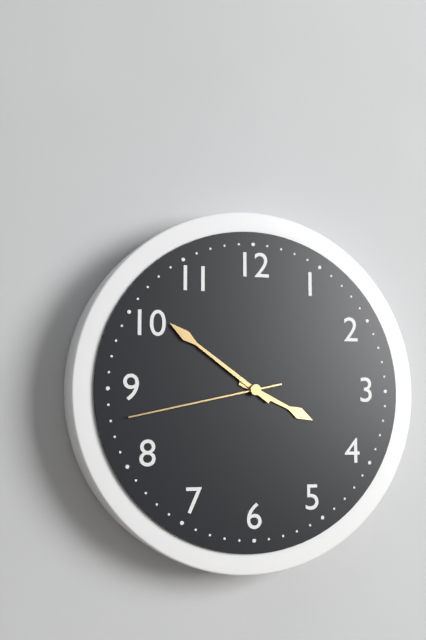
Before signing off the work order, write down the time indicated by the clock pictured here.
3:51:43
